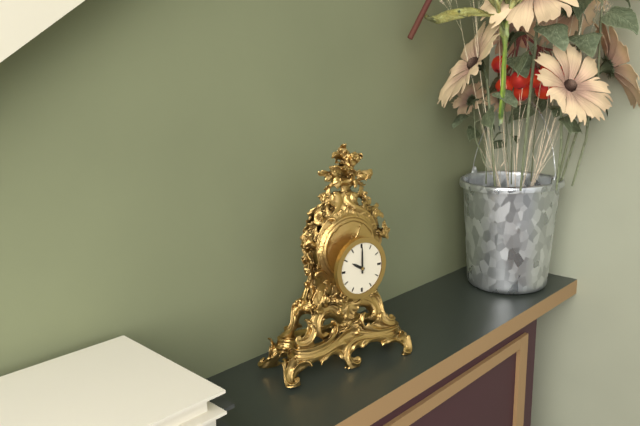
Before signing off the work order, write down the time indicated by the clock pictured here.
10:00
